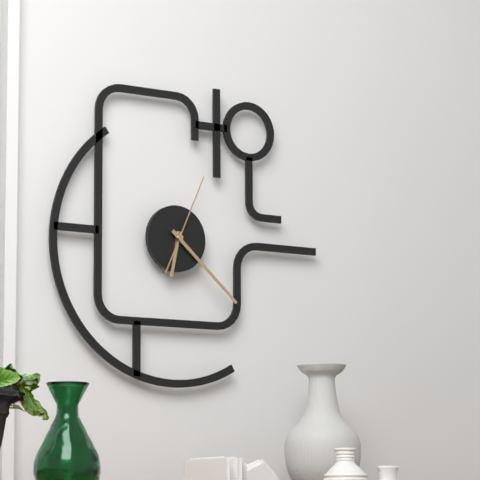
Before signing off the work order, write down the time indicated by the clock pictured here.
6:22:04
